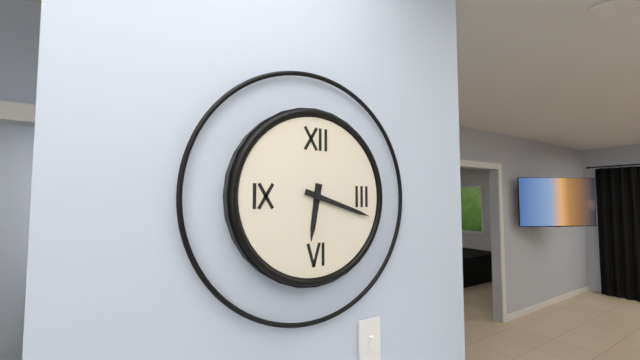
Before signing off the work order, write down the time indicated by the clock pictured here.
6:18
